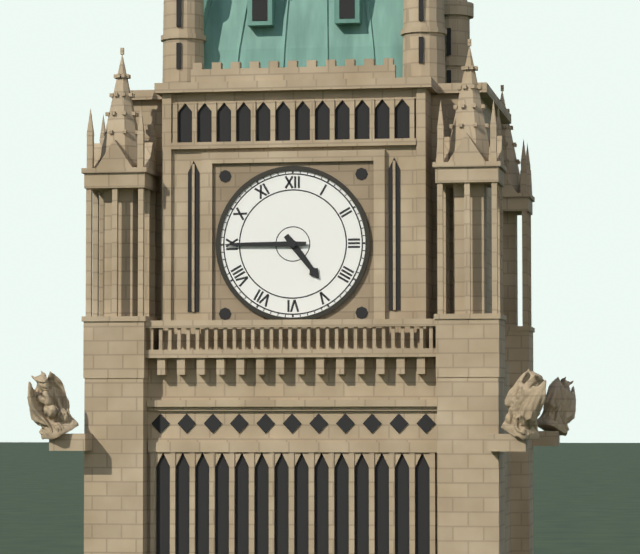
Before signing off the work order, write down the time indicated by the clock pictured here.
4:45
